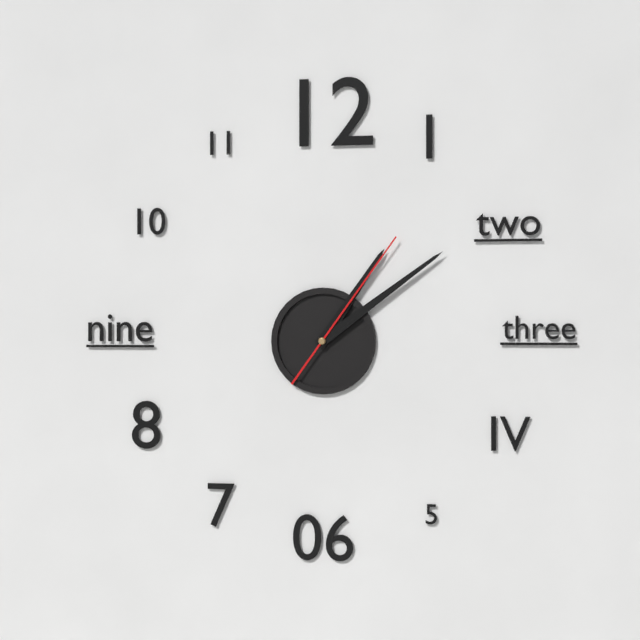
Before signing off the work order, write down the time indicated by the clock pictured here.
1:09:06
